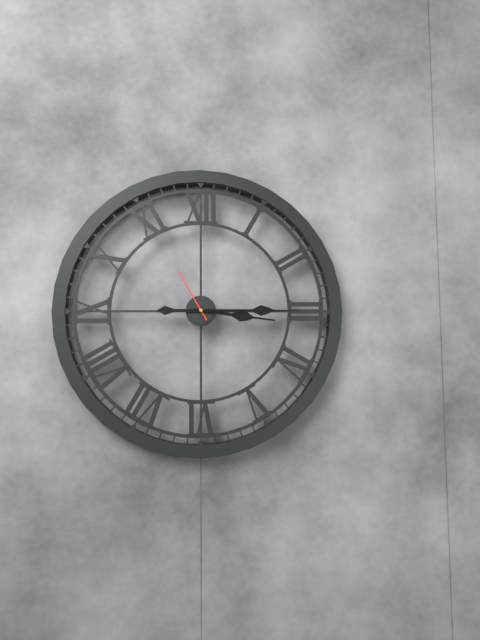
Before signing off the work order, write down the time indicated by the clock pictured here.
3:15:55
